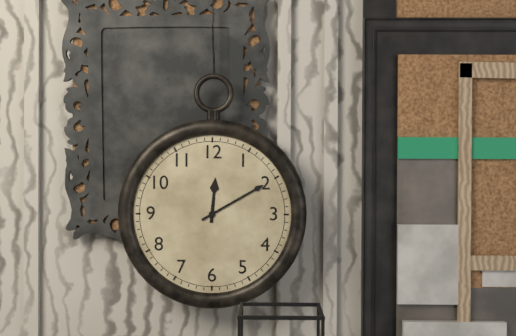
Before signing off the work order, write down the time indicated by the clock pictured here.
12:10
